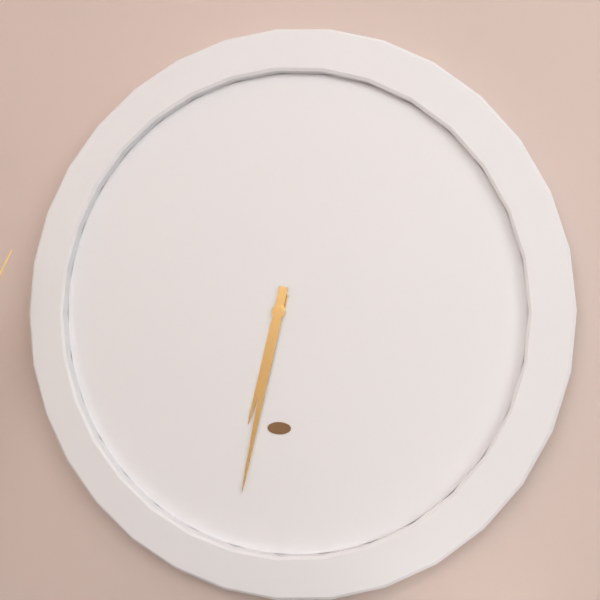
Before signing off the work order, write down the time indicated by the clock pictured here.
6:32
